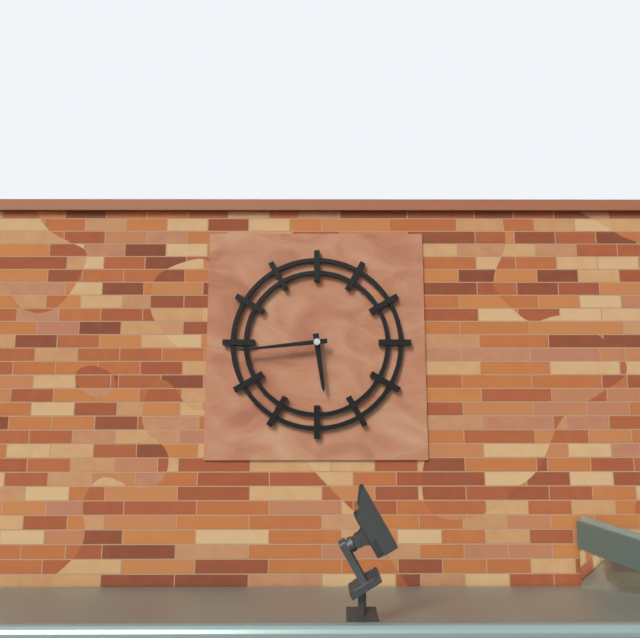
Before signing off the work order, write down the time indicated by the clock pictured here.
5:44
